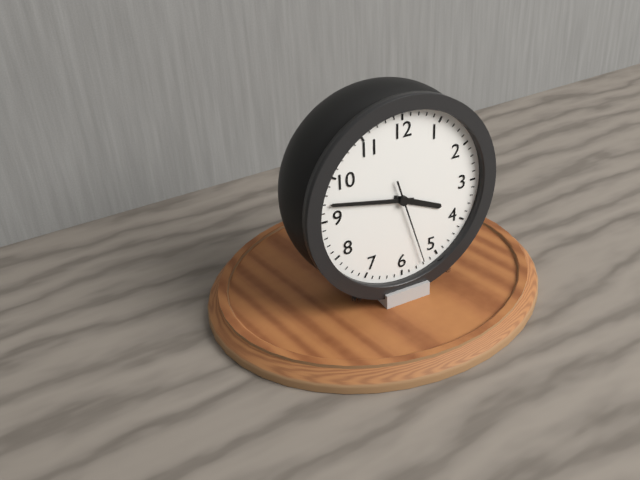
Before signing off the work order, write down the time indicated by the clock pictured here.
3:47:27
